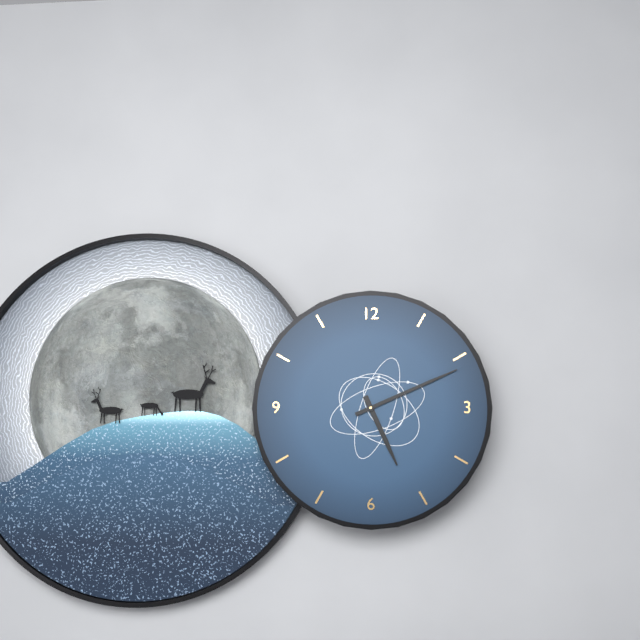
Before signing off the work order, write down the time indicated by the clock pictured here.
5:11
